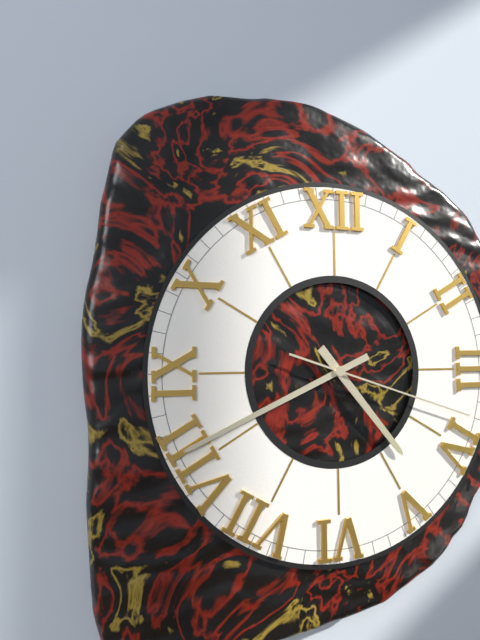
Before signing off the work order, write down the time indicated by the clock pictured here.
4:41:18
